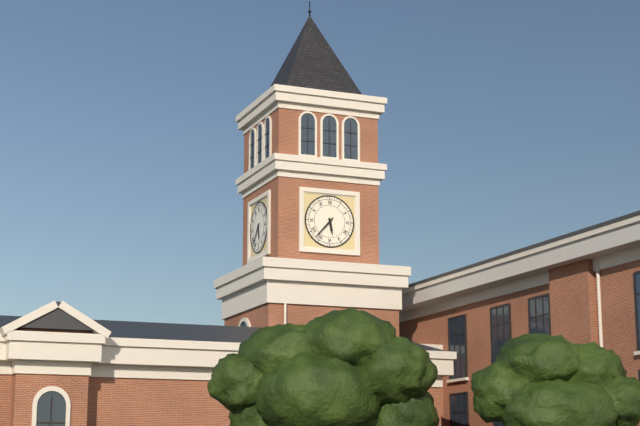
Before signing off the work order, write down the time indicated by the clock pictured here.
5:37
